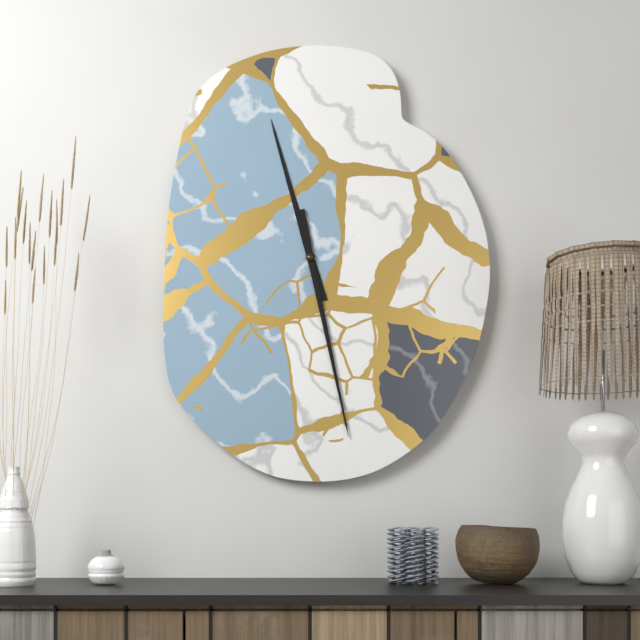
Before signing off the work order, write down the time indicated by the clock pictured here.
11:28
